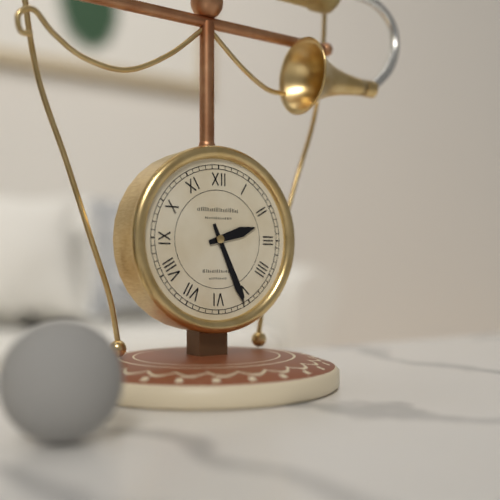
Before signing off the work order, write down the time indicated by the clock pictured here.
2:26
